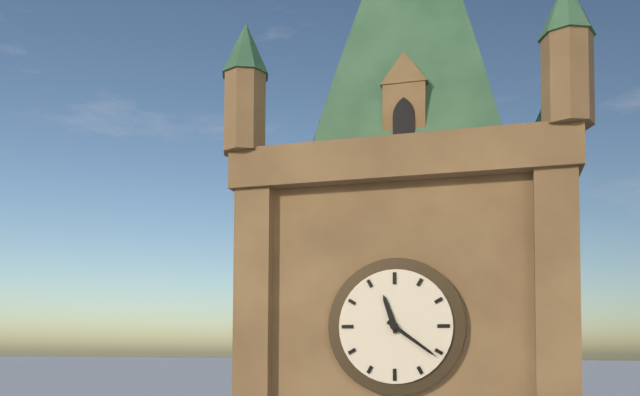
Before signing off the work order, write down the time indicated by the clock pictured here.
11:21
